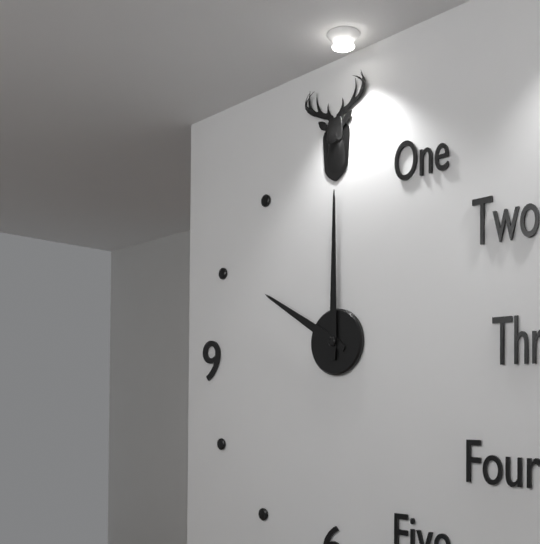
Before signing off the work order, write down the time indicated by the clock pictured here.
10:00
